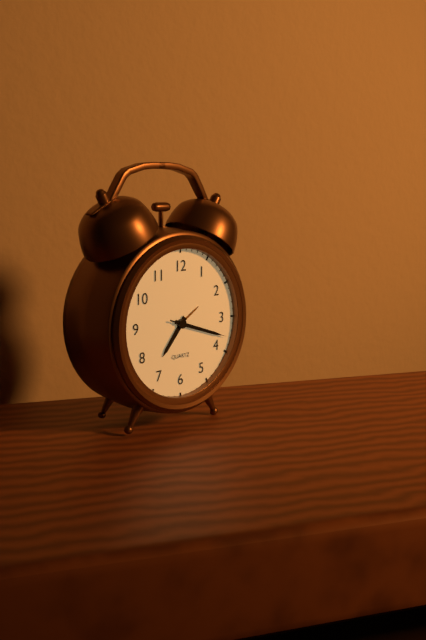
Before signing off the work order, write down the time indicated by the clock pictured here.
7:18:18
